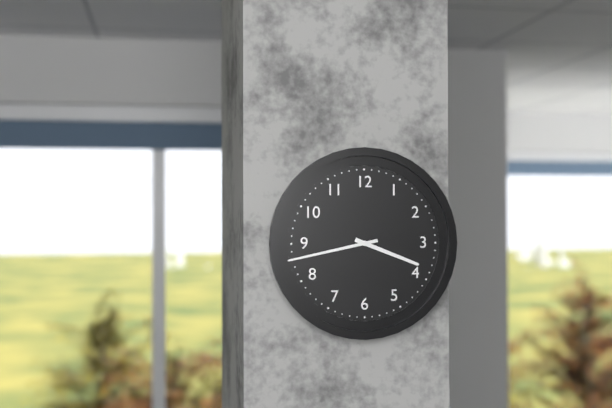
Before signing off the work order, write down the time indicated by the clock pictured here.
3:43
